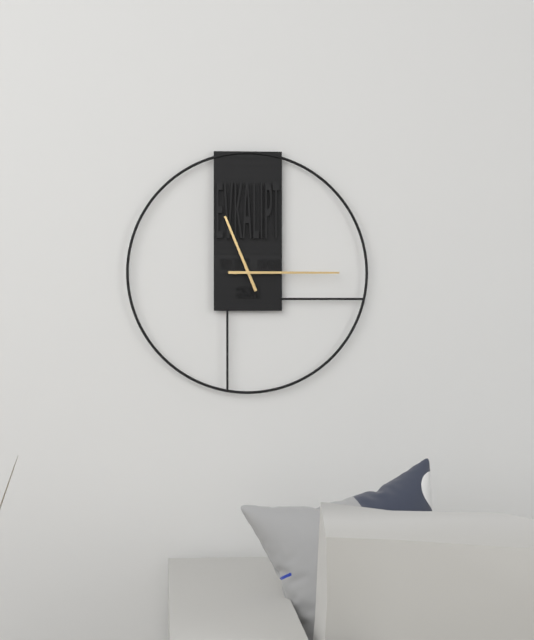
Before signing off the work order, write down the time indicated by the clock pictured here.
11:15
